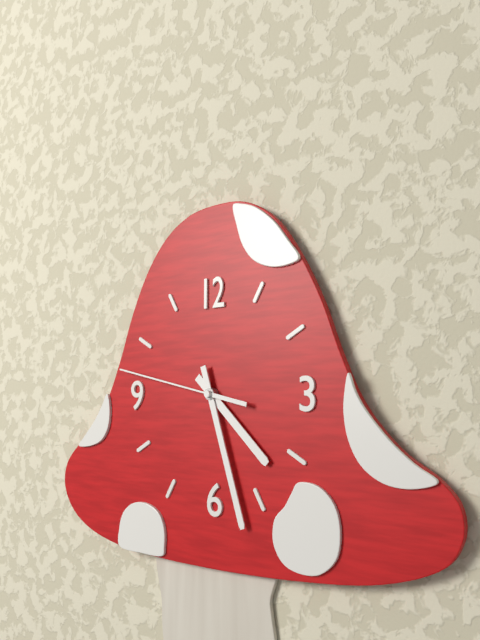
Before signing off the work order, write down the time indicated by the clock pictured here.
4:27:47
